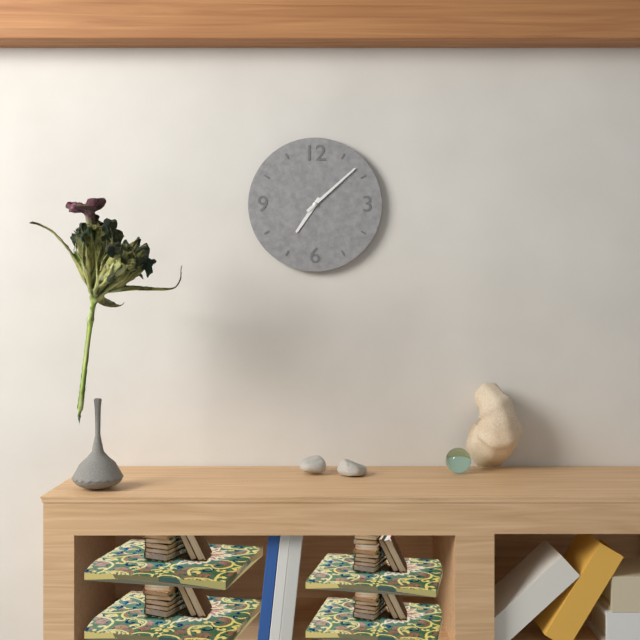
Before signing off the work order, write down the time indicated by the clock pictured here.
7:08
